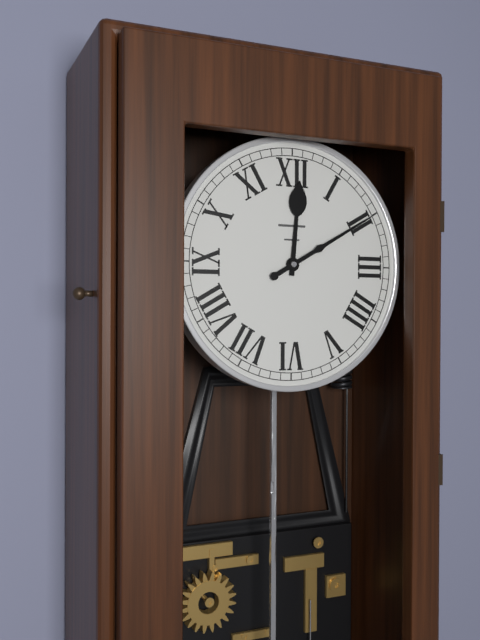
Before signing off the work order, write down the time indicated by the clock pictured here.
12:10
